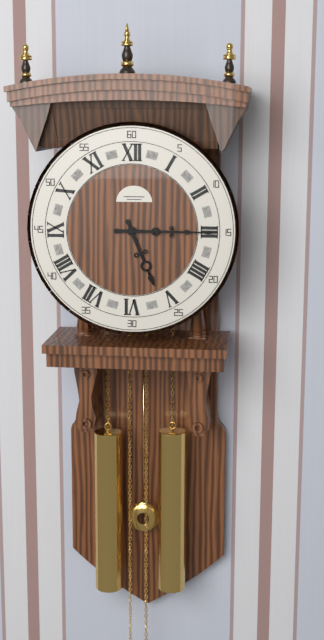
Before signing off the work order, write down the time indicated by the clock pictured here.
5:15
